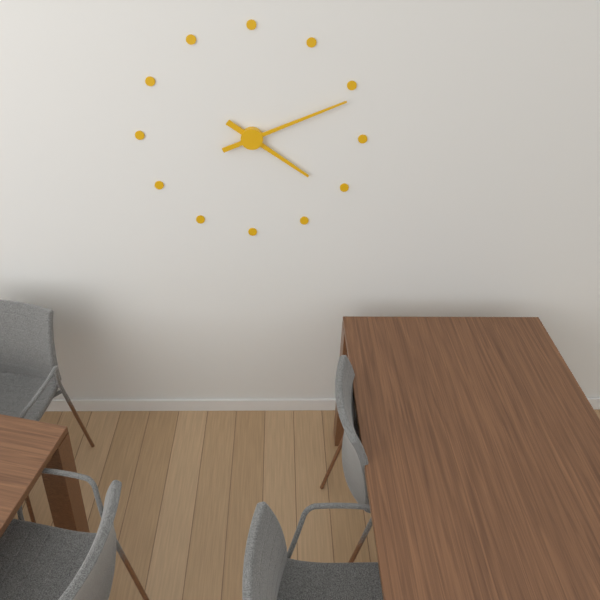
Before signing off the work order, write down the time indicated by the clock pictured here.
4:11
